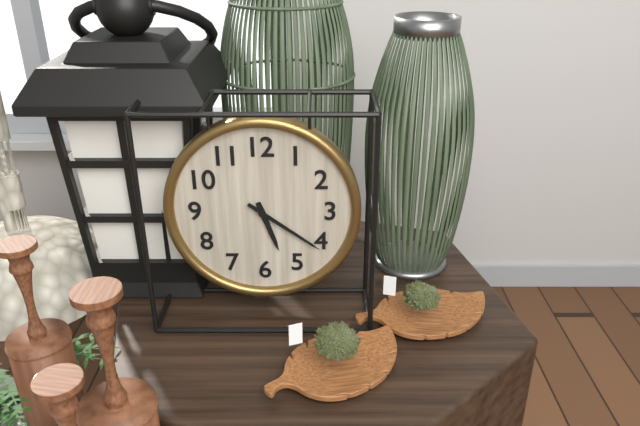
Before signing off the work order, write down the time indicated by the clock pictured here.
5:21
